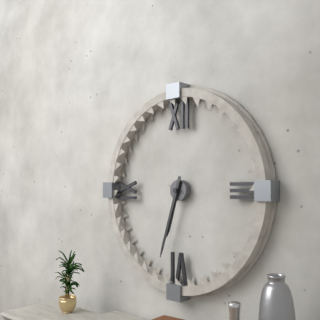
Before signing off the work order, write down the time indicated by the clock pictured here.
6:33
